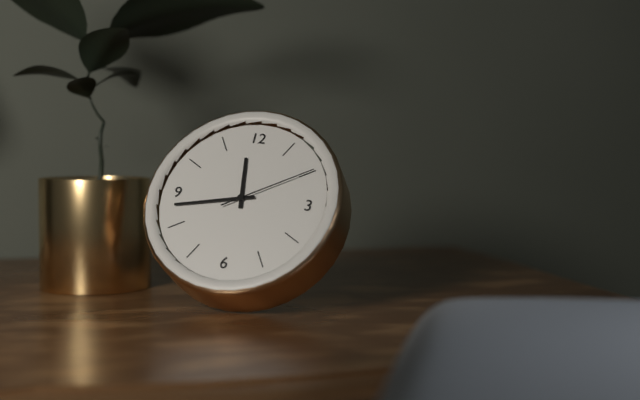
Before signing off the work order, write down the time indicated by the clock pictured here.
11:43:10
